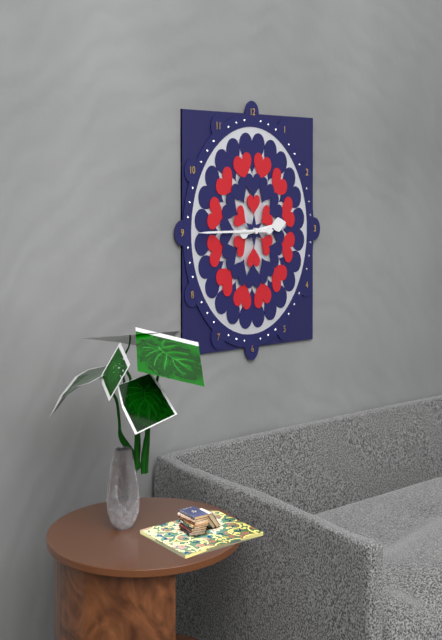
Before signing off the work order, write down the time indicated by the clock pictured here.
2:45
